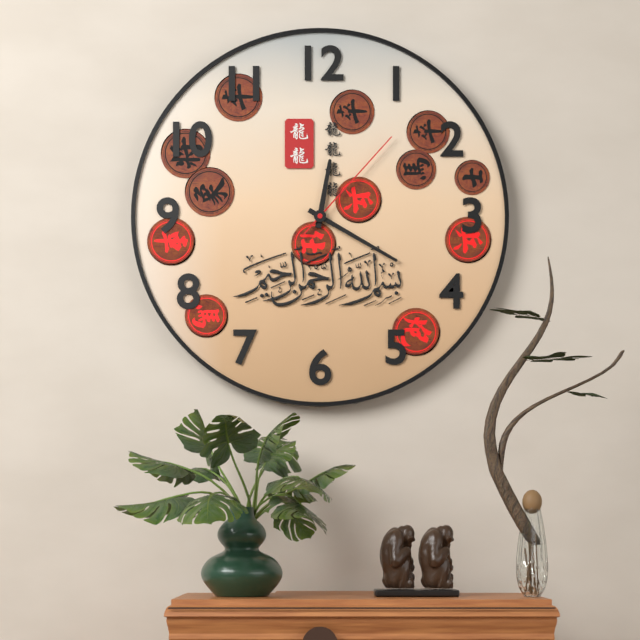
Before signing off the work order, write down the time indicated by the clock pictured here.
12:20:07
